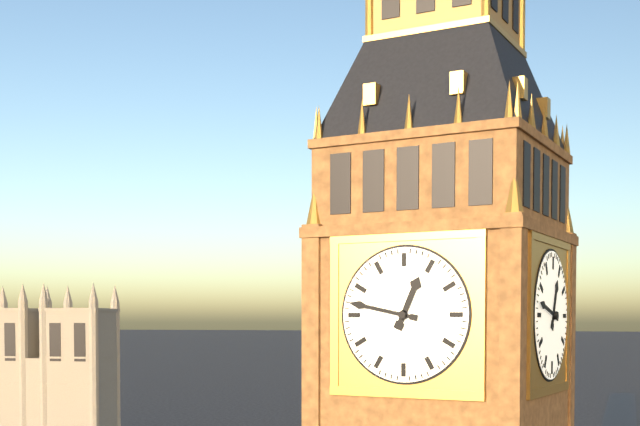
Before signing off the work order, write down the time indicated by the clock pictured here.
12:47
